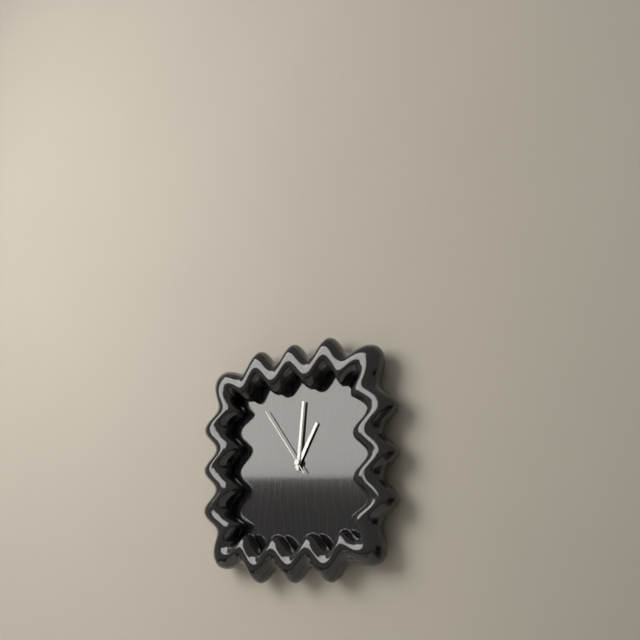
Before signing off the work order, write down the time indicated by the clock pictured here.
1:01:54
